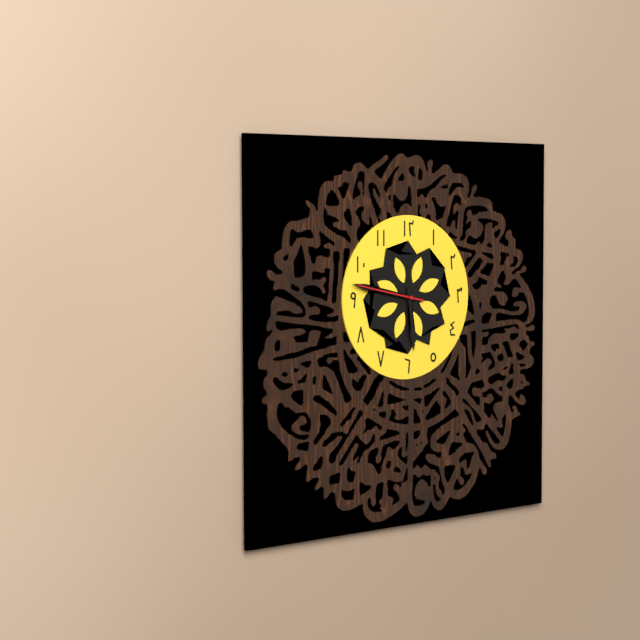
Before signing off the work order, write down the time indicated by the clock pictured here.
5:47:47
